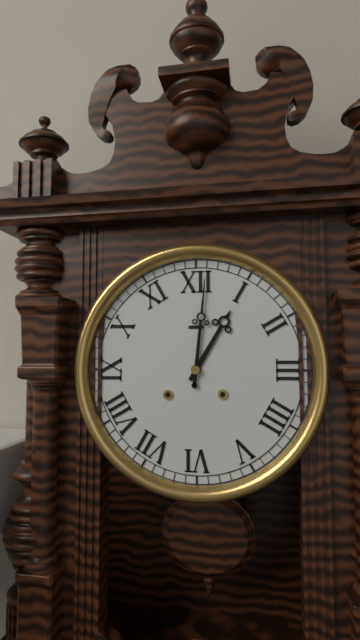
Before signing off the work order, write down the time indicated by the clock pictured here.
1:01
